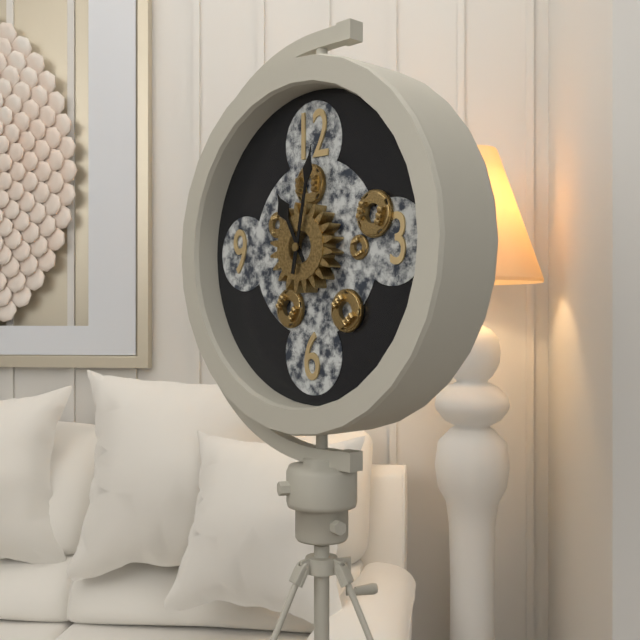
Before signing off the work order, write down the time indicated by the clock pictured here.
11:02
